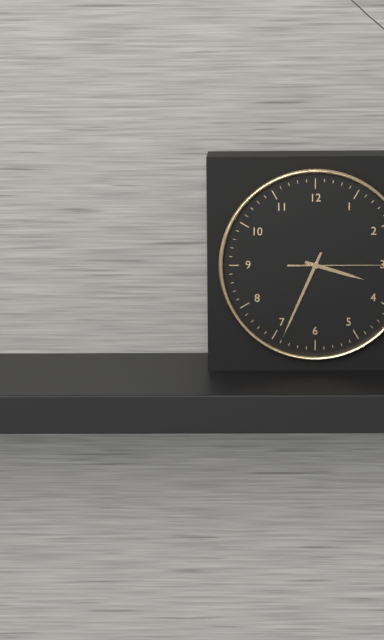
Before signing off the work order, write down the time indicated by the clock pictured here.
3:34
